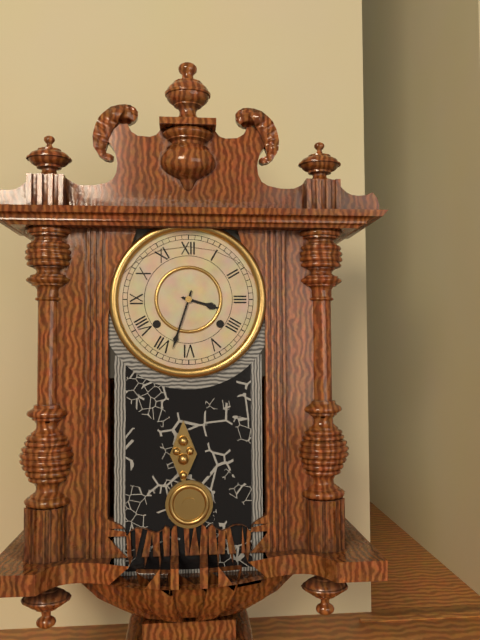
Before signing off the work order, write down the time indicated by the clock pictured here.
3:33
